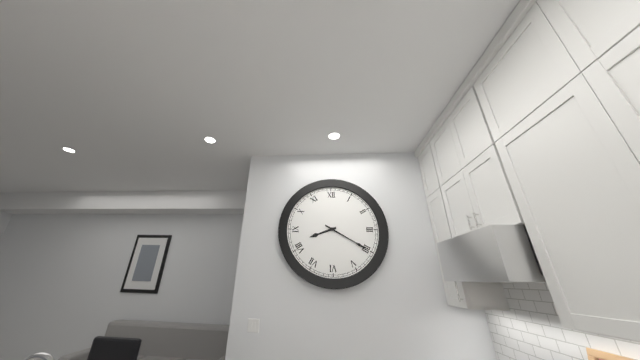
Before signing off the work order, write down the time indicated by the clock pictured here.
8:20
